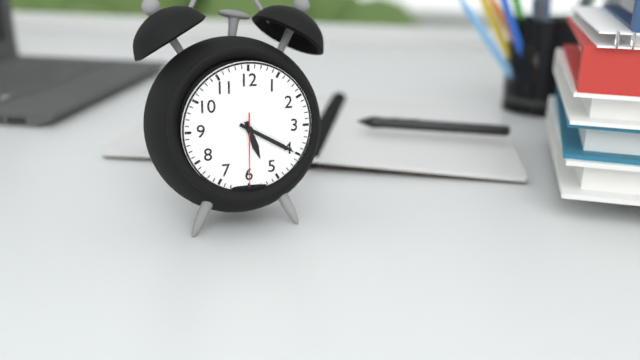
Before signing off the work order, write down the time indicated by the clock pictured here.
5:20:30
